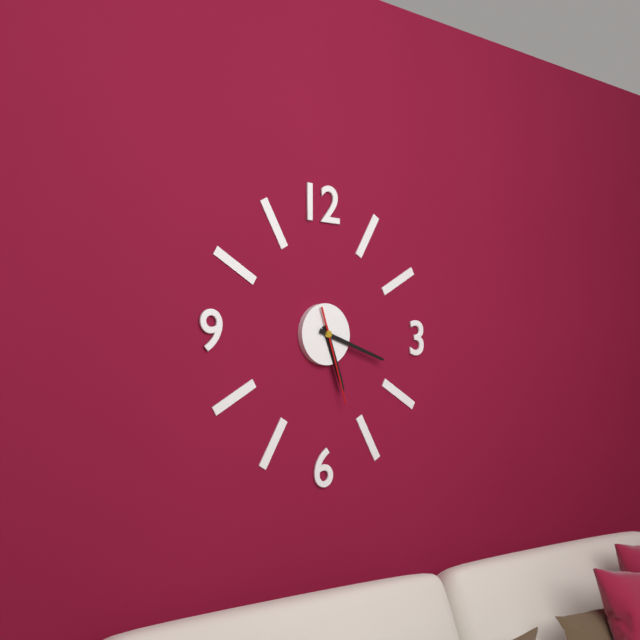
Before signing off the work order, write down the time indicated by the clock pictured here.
5:18:27
